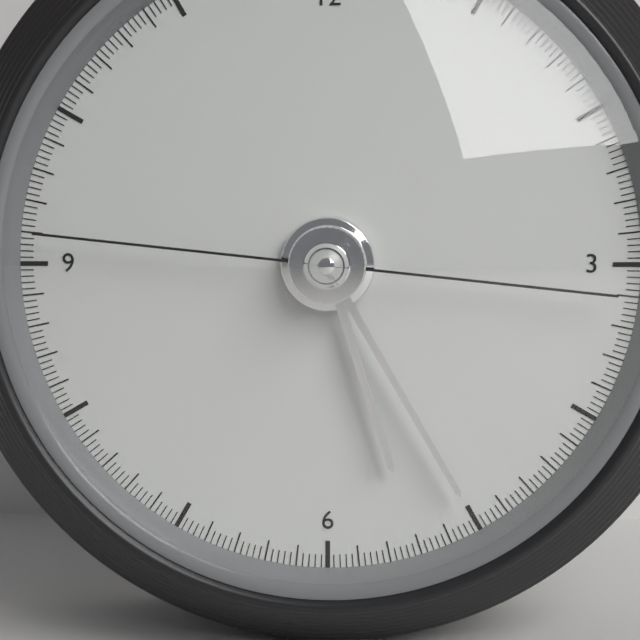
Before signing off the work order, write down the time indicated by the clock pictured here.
5:25:16
